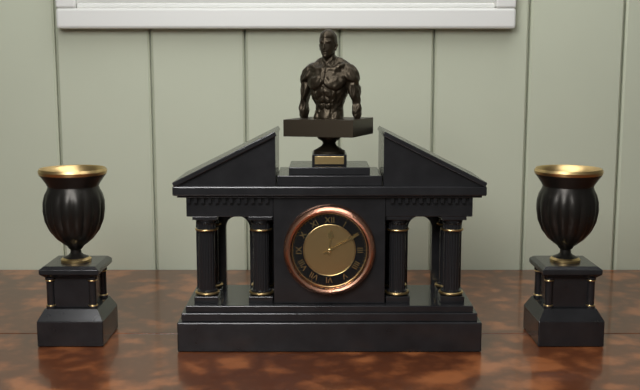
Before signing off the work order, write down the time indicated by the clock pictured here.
12:10
